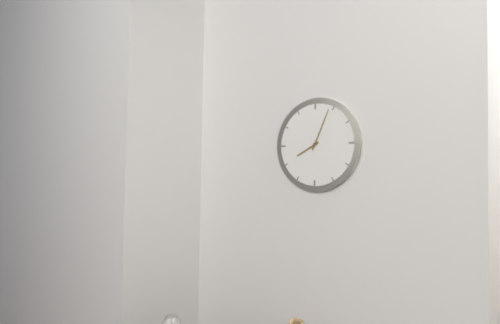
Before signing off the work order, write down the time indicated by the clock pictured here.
8:04
